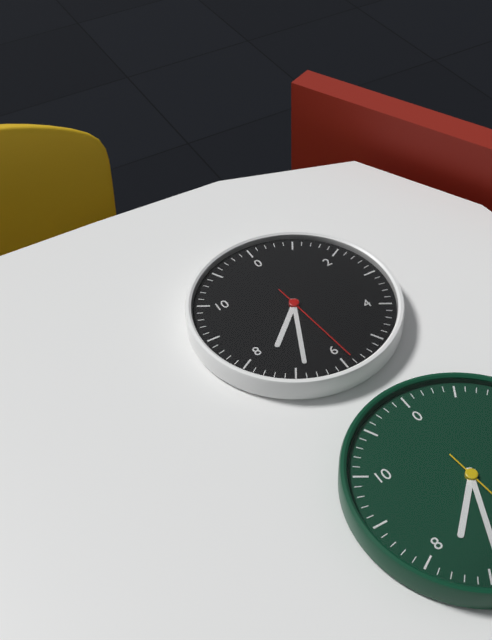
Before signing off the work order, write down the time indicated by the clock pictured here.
7:34:29
